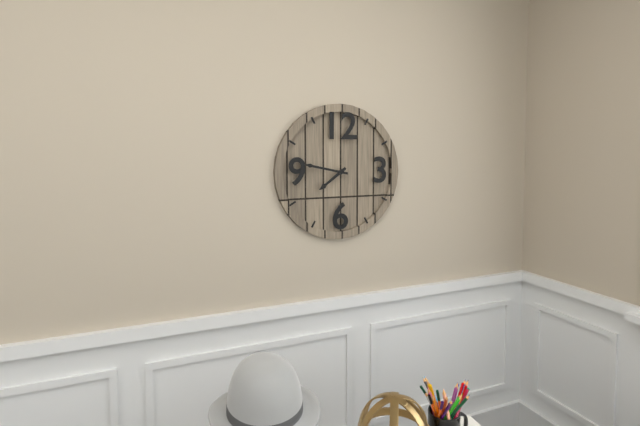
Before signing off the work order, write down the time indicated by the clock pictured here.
7:47
